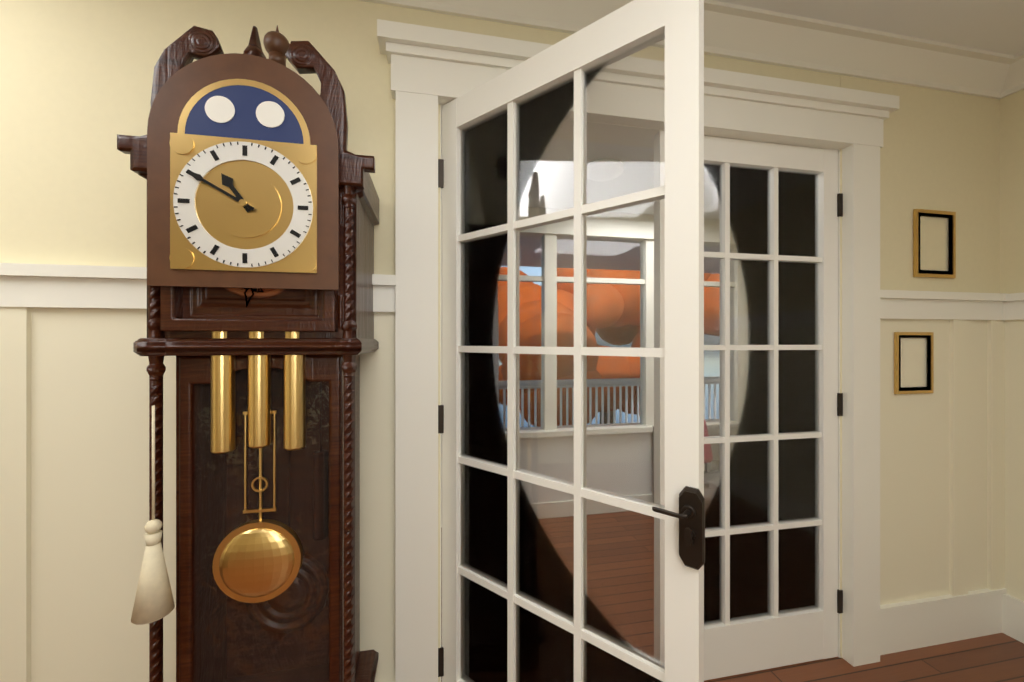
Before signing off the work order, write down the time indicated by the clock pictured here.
10:50
